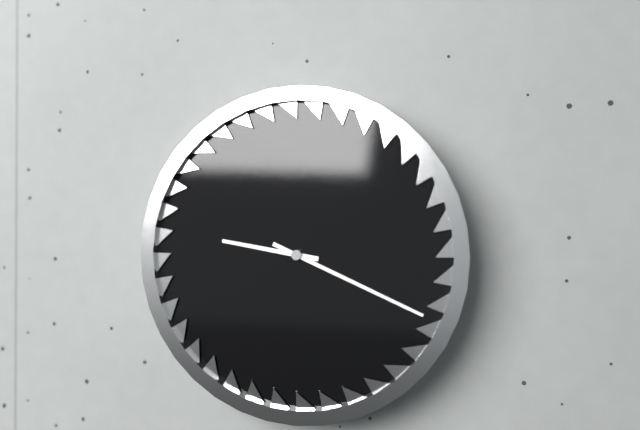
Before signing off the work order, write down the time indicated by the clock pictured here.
9:19
